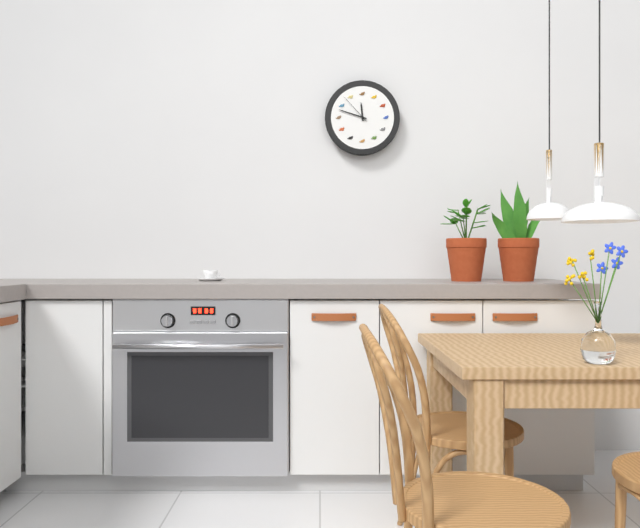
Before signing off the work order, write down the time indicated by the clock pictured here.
11:48
